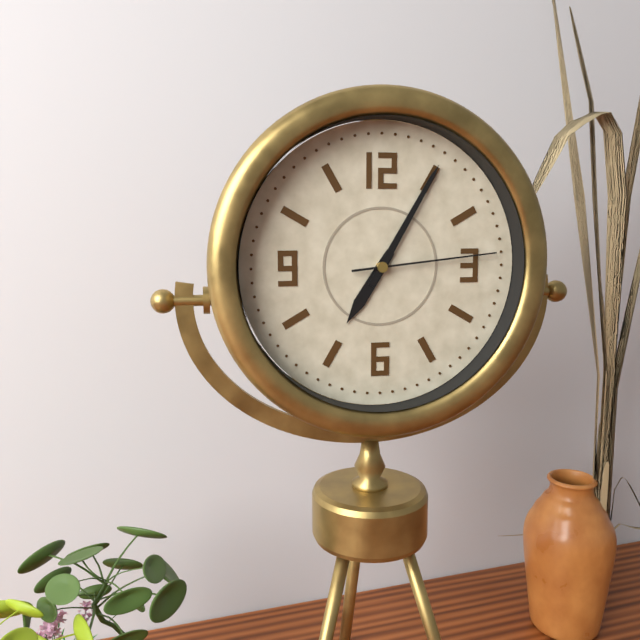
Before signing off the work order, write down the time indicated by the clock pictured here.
7:05:14
